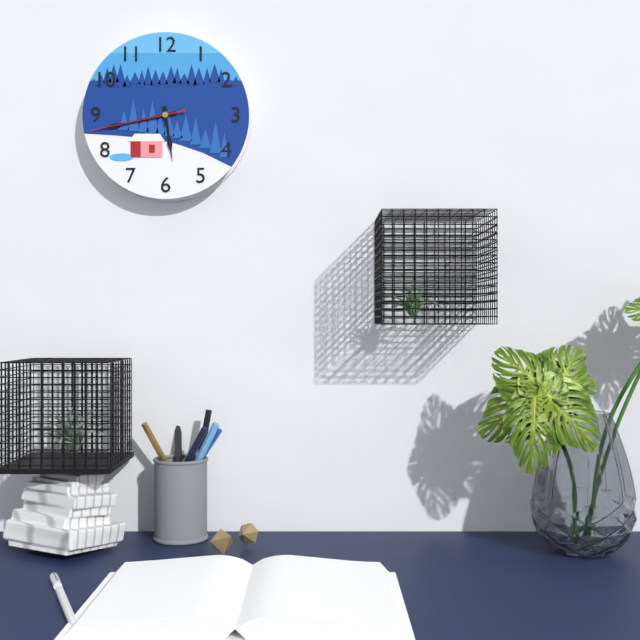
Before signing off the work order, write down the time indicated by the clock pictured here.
5:43:43
